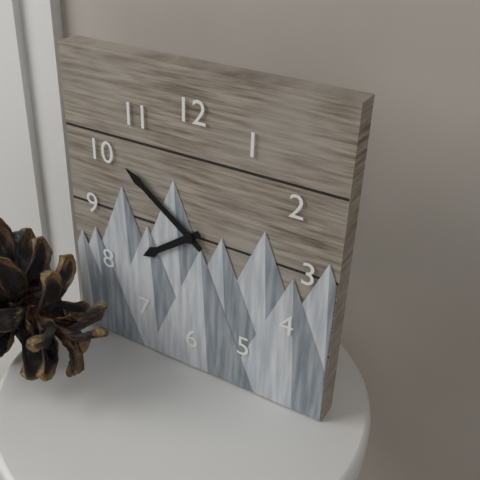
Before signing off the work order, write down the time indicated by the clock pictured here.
7:51
